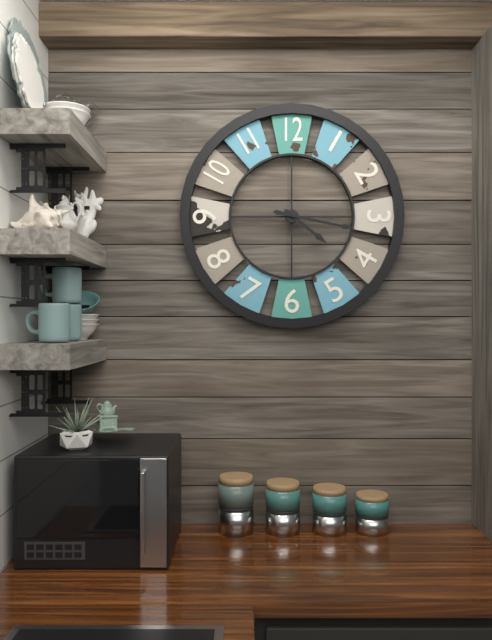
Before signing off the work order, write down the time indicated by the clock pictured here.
4:17
